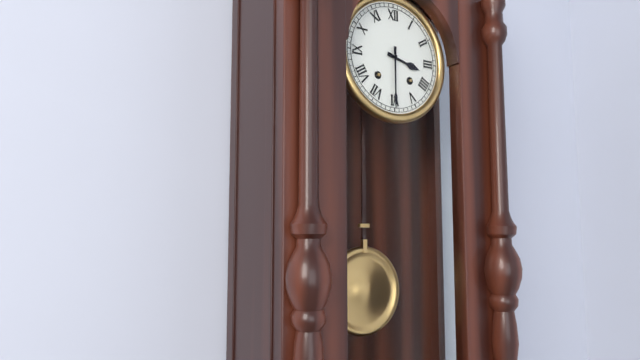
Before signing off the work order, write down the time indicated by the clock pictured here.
3:30
